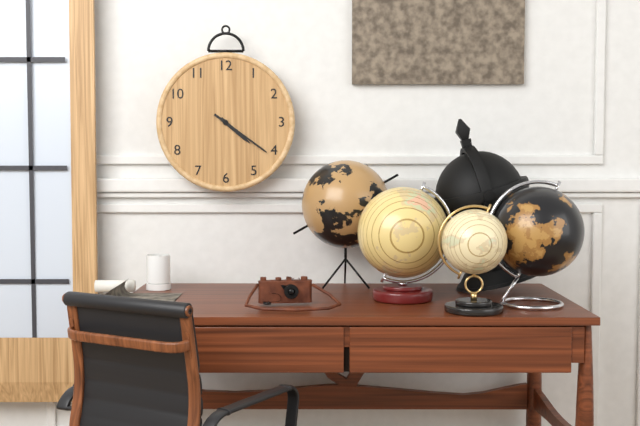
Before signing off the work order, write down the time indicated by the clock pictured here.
4:21
